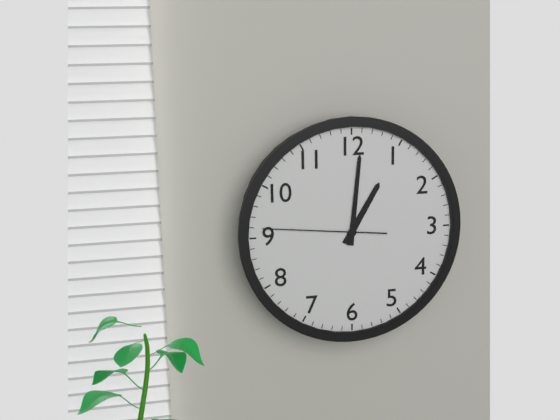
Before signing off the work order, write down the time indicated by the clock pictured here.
1:01:46
